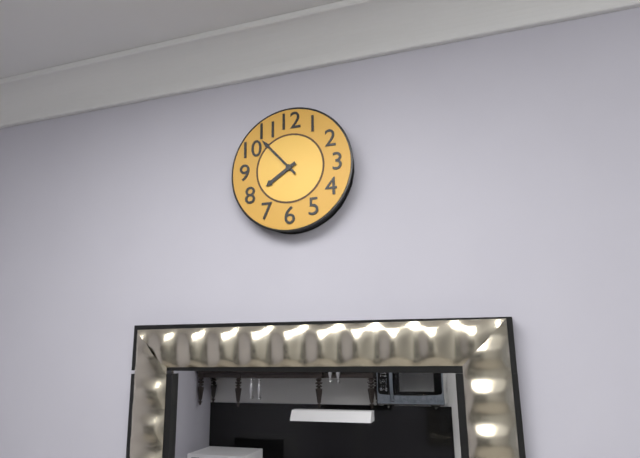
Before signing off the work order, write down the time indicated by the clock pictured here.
7:53
